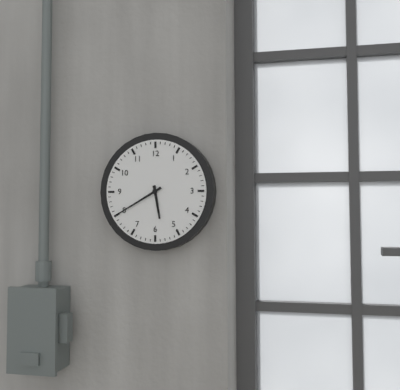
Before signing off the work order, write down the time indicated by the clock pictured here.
5:40
